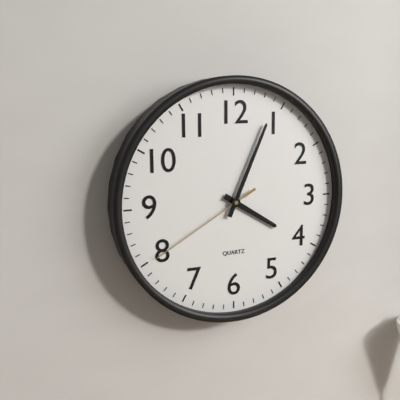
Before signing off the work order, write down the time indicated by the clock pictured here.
4:04:40
